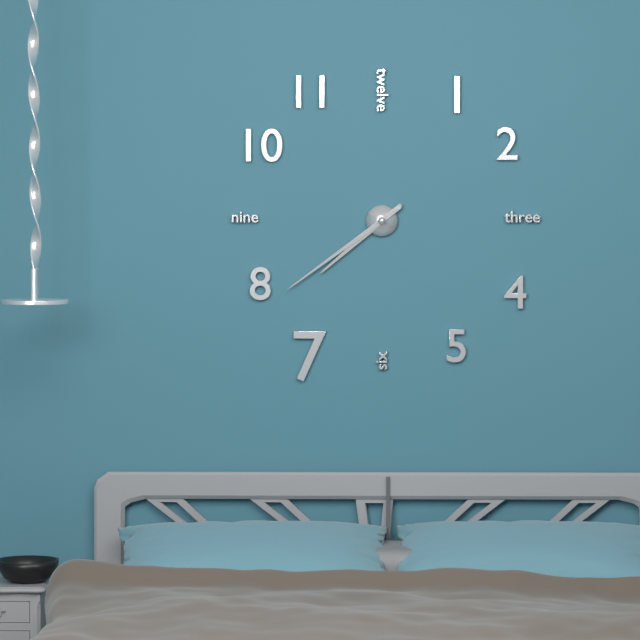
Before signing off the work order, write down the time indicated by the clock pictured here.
7:39
